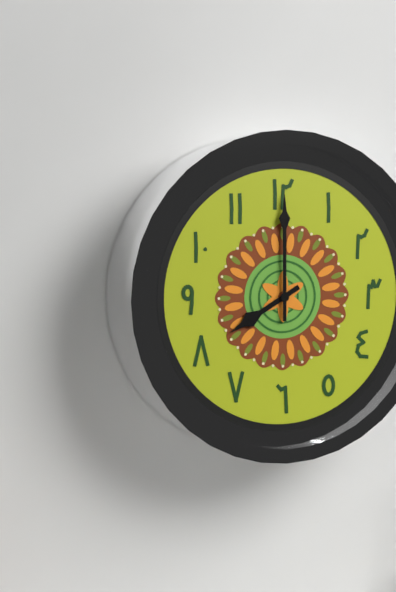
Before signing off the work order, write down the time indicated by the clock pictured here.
8:00
